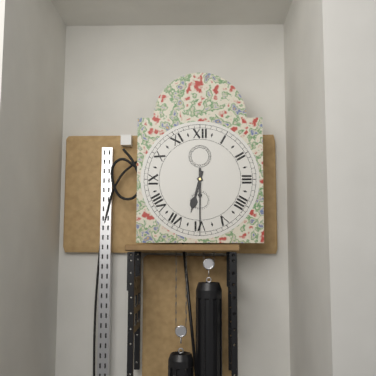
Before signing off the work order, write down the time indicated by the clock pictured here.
6:30
